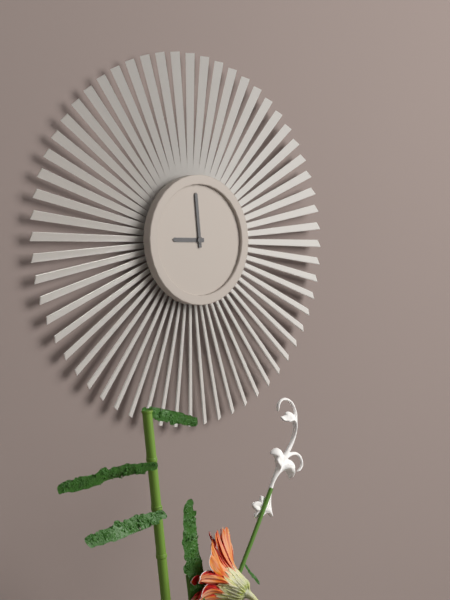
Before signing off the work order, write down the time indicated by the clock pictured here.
8:59
